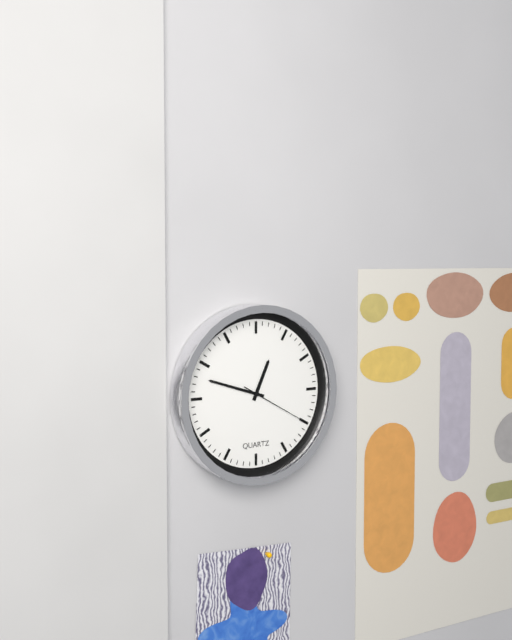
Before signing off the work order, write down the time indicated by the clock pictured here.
12:48:20
